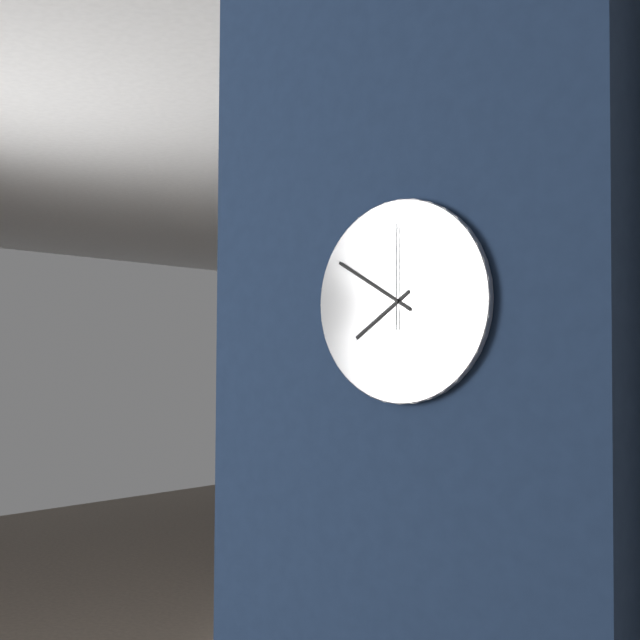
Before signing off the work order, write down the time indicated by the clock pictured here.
7:50:00
